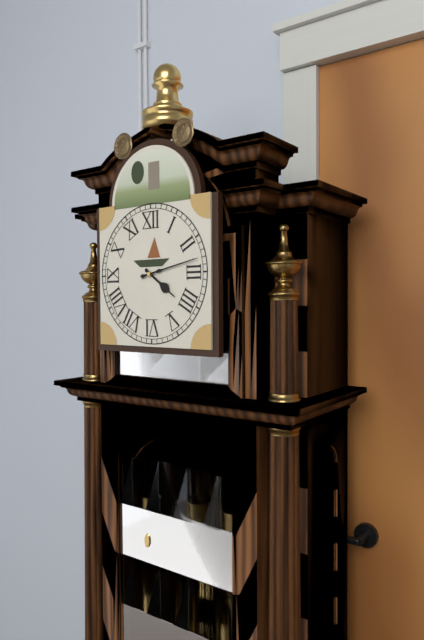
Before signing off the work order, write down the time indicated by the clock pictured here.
4:13
